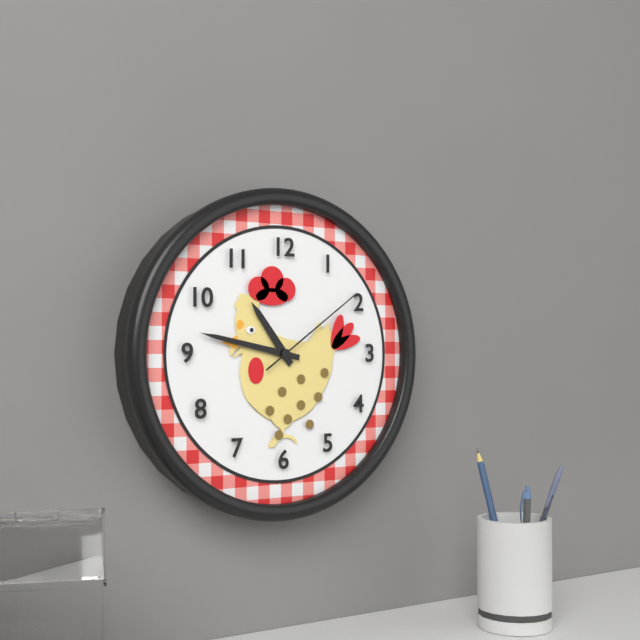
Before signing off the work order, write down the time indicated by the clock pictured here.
10:47:09
